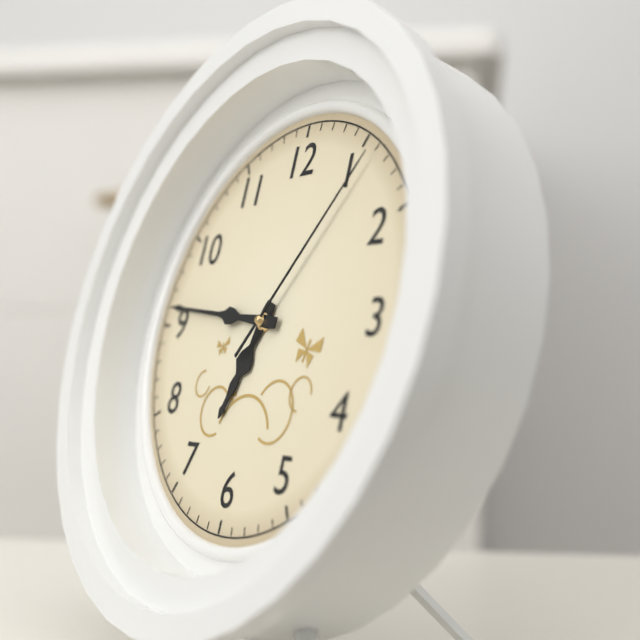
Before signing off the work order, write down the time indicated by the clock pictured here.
6:46:06
